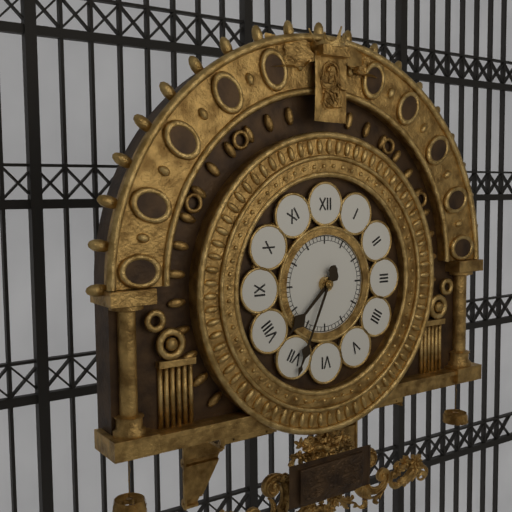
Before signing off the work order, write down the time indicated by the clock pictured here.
7:34
